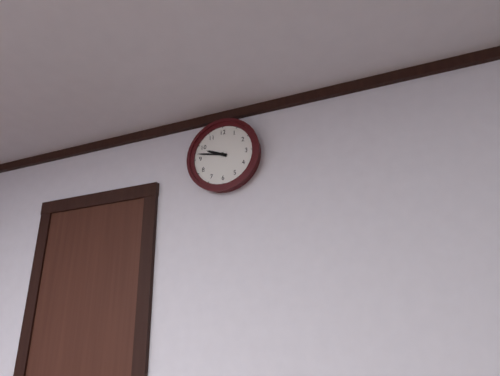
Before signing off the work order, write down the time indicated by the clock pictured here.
9:47
